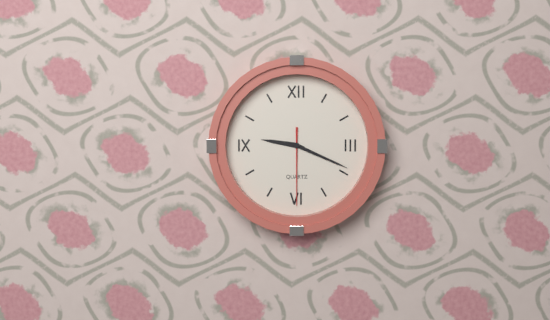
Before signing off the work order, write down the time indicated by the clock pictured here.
9:19:30
